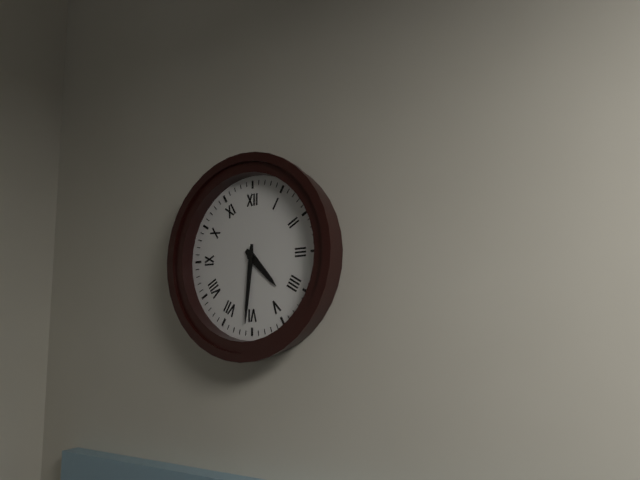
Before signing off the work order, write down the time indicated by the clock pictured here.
4:31
